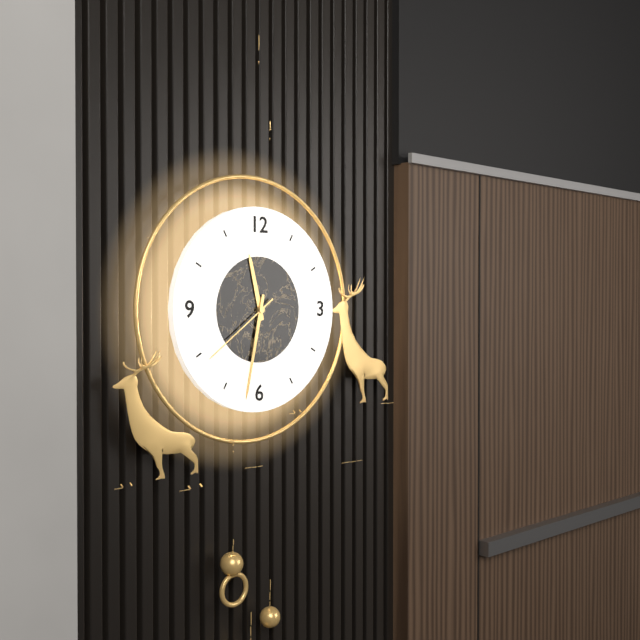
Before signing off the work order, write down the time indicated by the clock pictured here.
11:32:39
